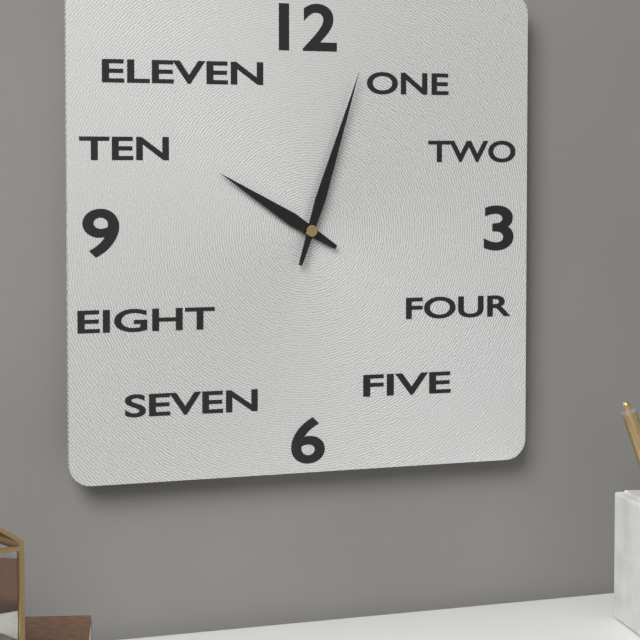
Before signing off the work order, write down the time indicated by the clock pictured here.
10:03
